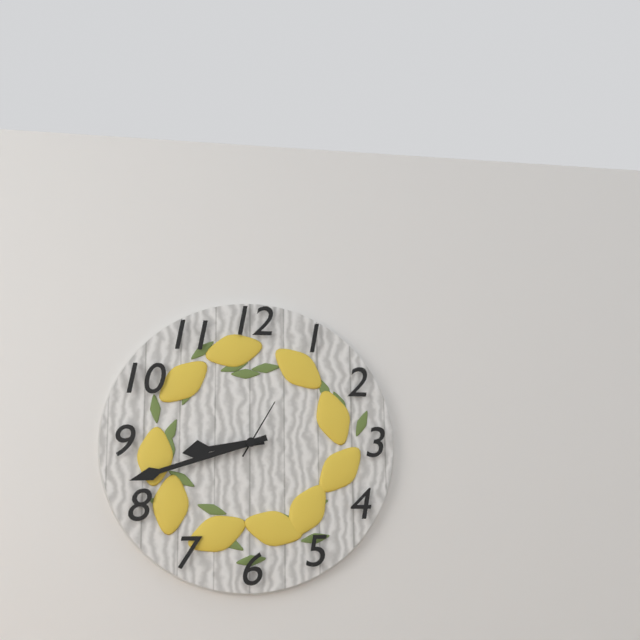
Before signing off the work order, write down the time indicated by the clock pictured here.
8:42:05
